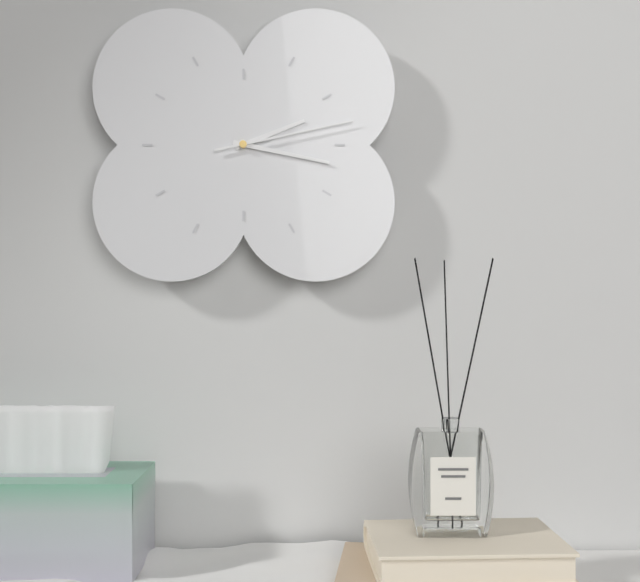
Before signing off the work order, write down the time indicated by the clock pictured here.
2:17:13
